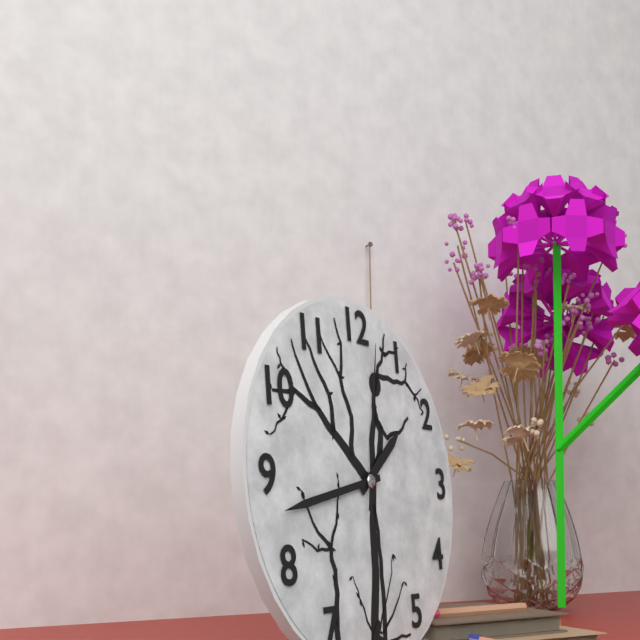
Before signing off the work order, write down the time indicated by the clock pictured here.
1:43:02
